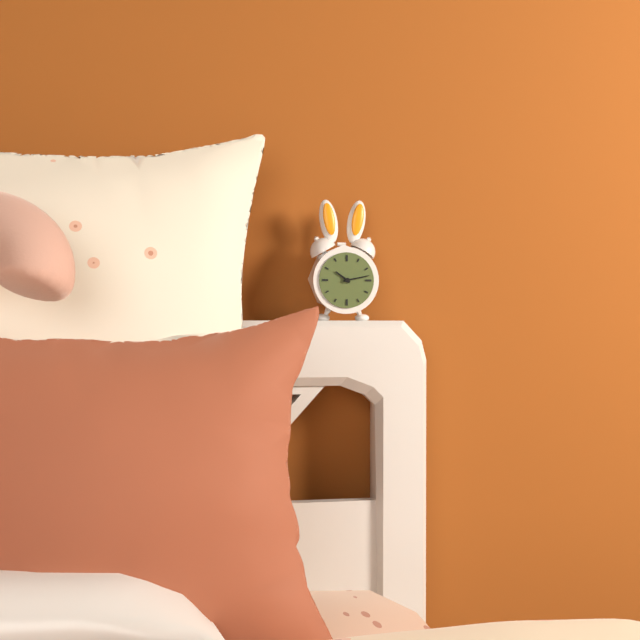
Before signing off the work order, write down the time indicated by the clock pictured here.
10:13
